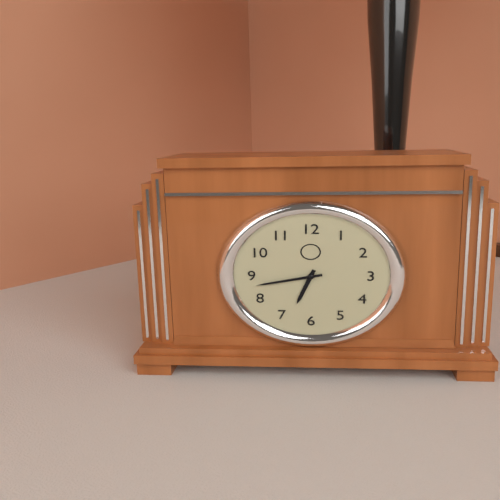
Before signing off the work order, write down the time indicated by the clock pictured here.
6:43
